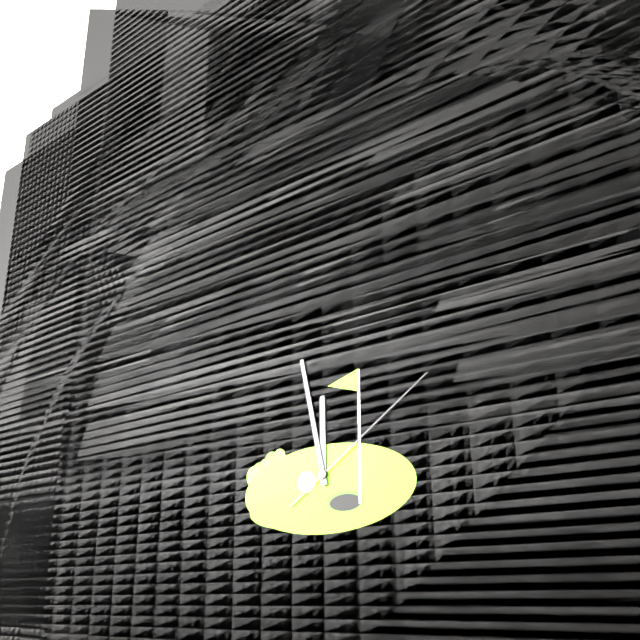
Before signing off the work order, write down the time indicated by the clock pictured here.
11:58:09
